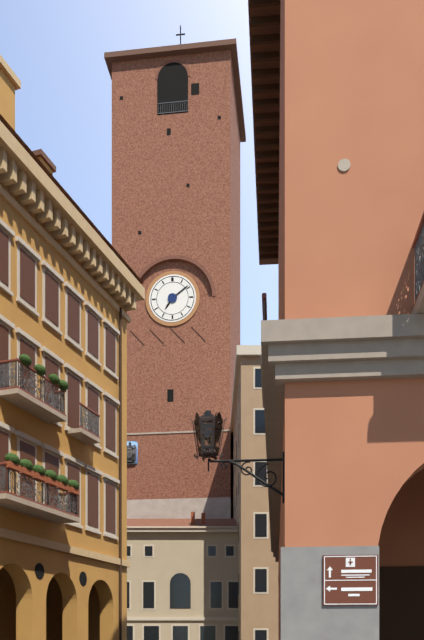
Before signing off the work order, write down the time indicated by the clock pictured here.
7:09
